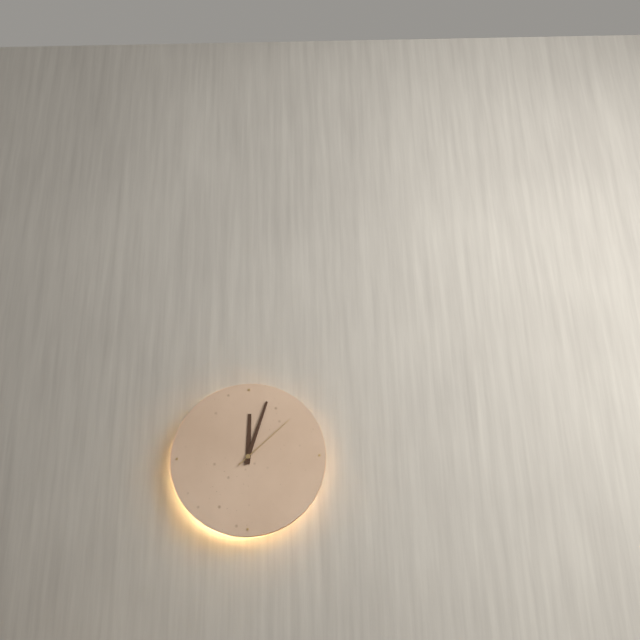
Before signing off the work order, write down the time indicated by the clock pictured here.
12:03:08
